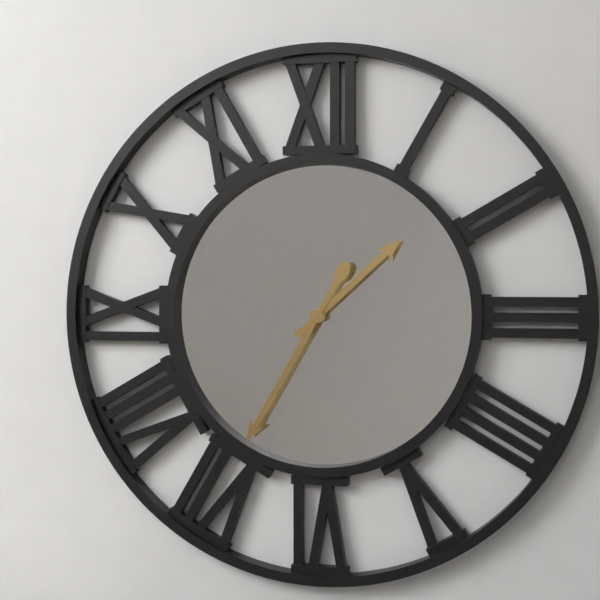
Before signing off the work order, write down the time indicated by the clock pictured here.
1:35
